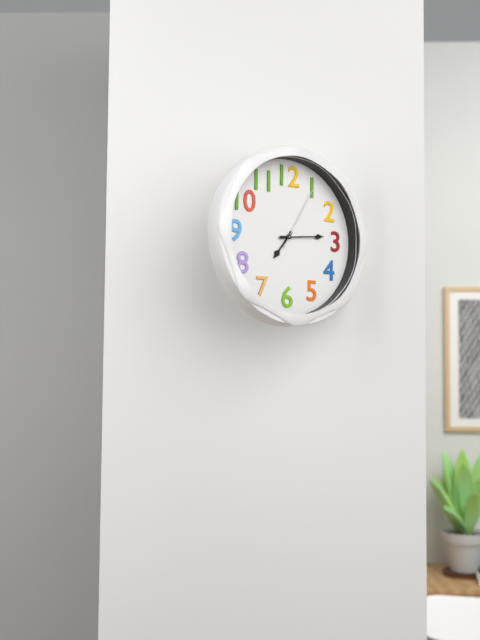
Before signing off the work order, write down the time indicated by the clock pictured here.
7:14:05
